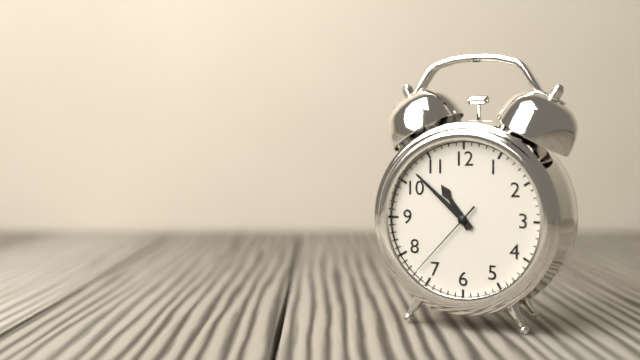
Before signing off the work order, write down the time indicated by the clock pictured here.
10:52:37
